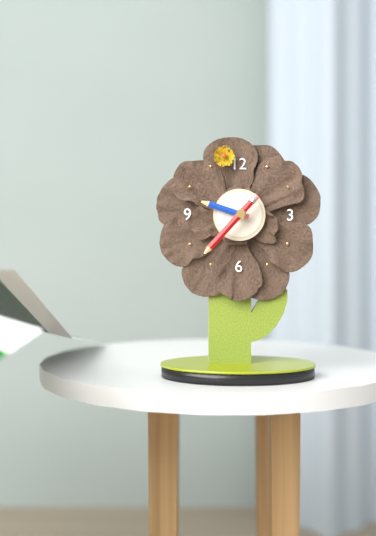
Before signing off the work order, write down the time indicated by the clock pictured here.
9:37
